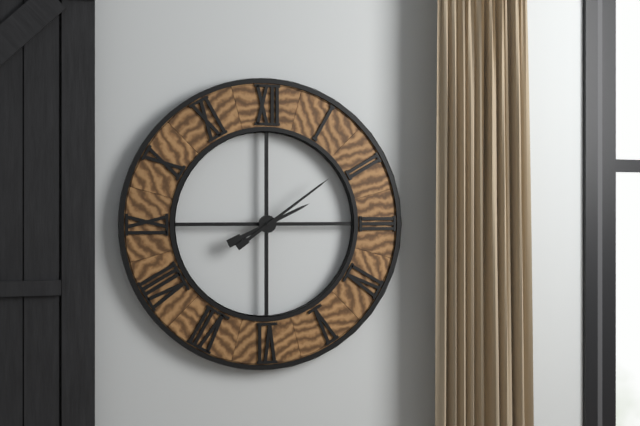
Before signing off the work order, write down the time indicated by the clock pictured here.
2:09
